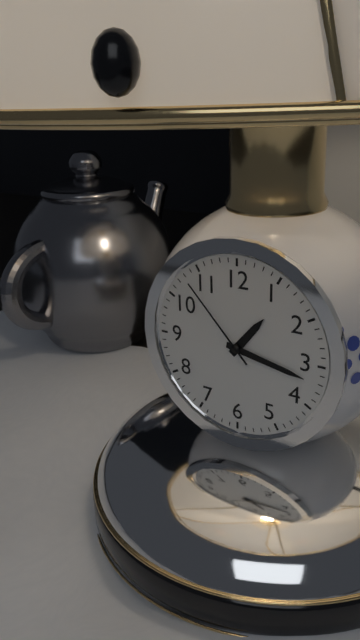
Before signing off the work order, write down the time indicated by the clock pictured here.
1:17:53
